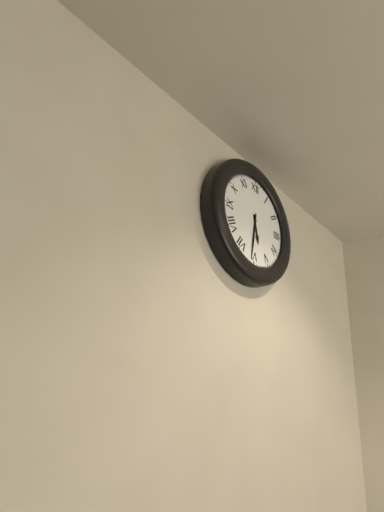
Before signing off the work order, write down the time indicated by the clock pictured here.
5:31
